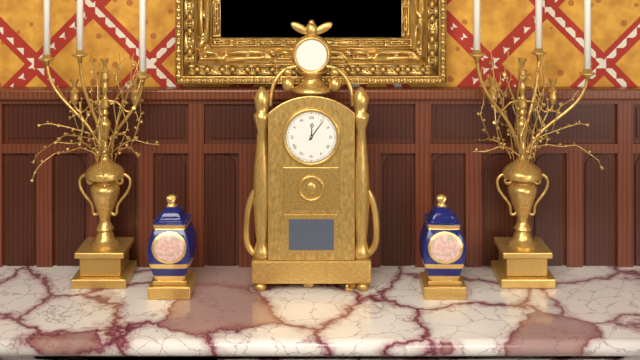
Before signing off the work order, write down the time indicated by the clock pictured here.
12:06
